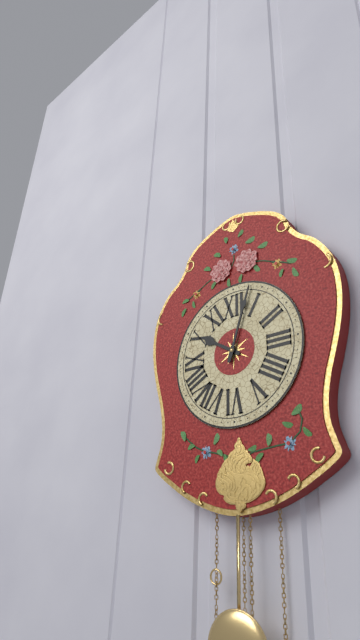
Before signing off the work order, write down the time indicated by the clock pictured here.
10:03
